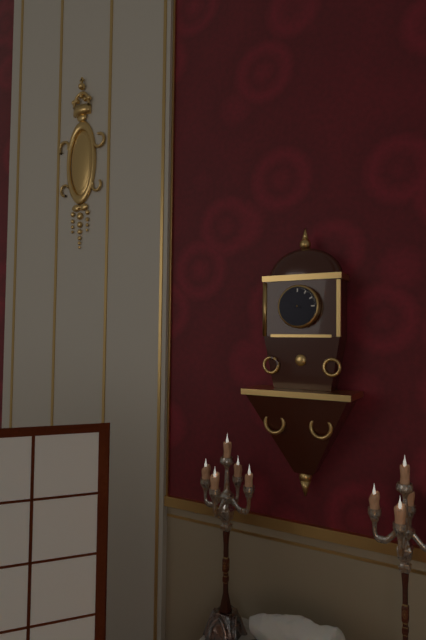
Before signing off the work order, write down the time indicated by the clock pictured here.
8:49
